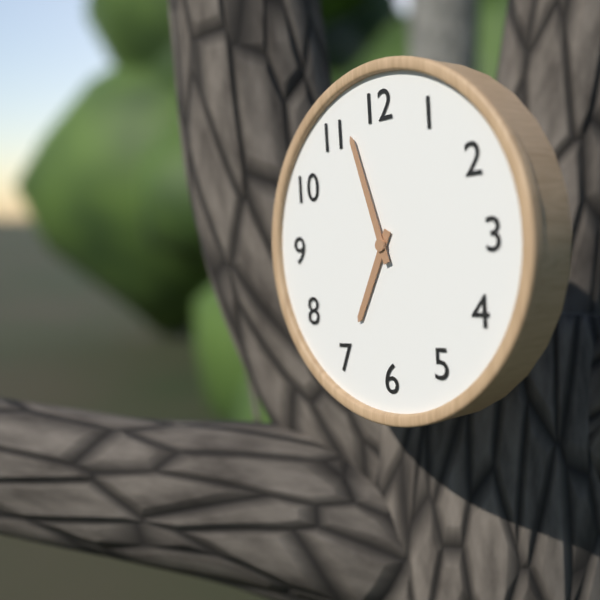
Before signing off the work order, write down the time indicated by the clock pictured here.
6:57
